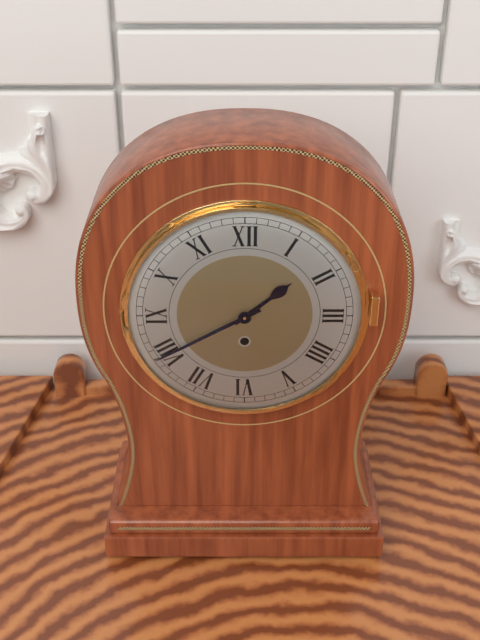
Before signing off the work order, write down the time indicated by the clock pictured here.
1:40
